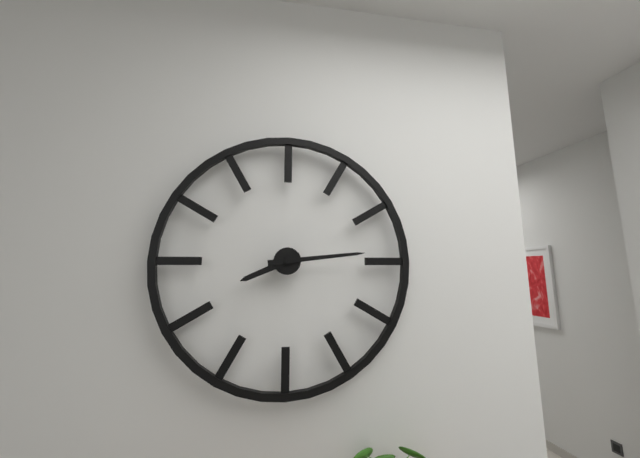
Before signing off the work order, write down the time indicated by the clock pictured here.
8:14
